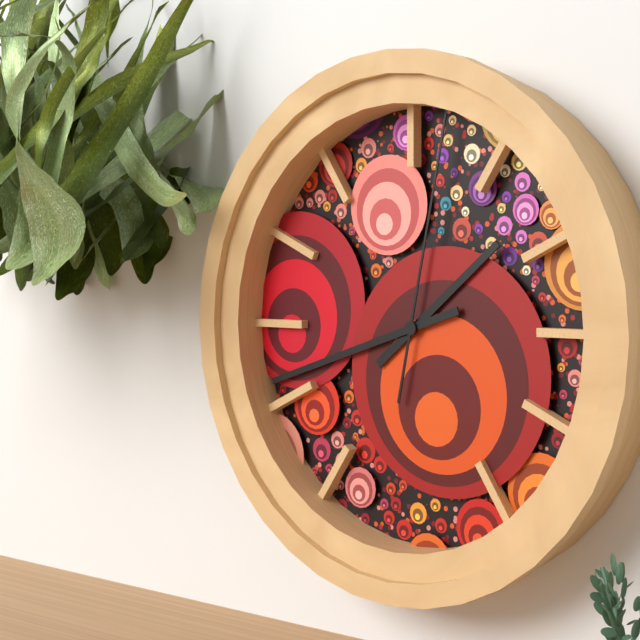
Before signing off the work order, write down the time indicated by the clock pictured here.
1:42:02
